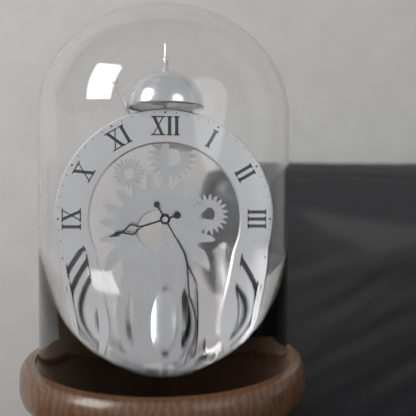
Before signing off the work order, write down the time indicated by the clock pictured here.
8:25
